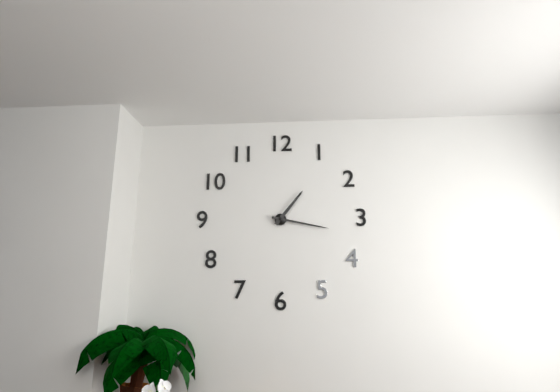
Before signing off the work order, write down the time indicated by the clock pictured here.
1:17
